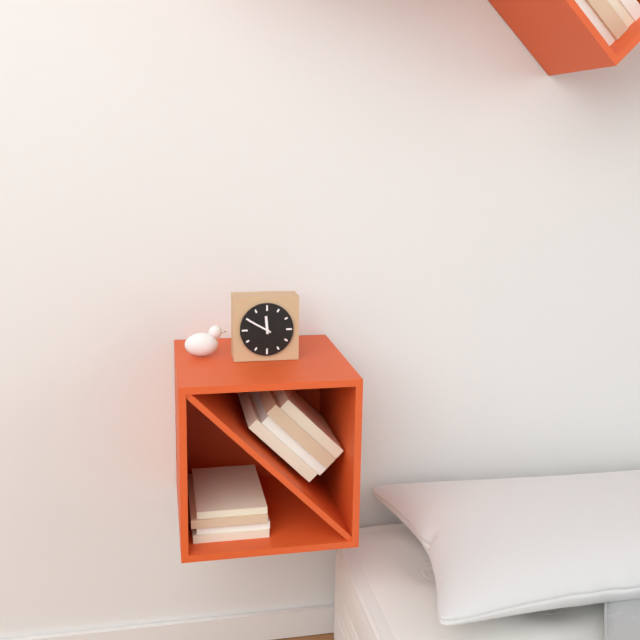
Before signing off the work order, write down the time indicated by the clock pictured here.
11:50
